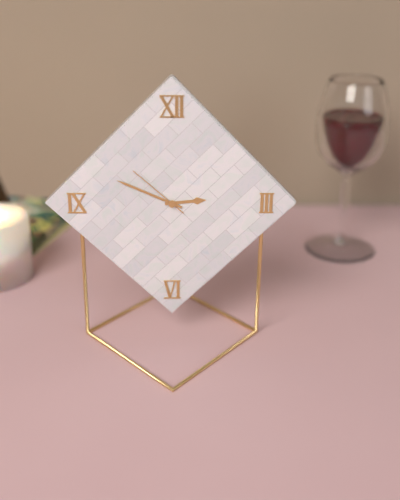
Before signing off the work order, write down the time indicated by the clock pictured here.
2:49:52
